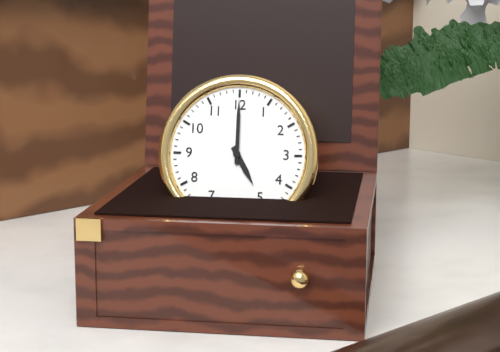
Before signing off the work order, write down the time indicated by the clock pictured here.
5:00
